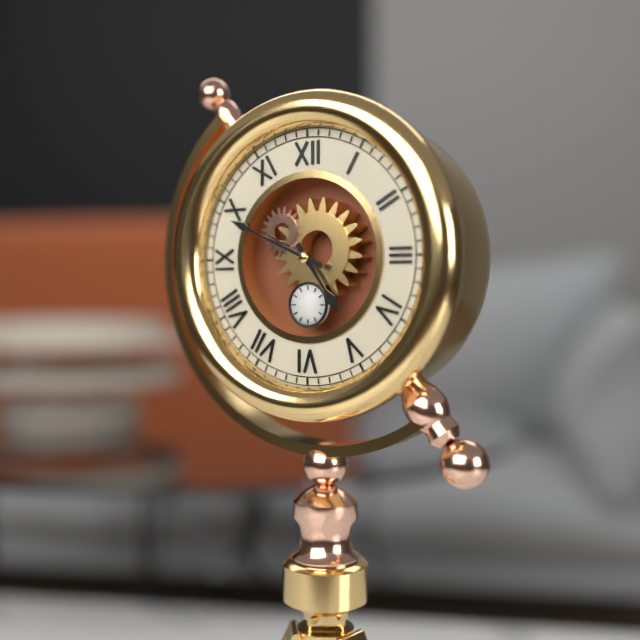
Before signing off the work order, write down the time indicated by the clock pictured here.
4:49
